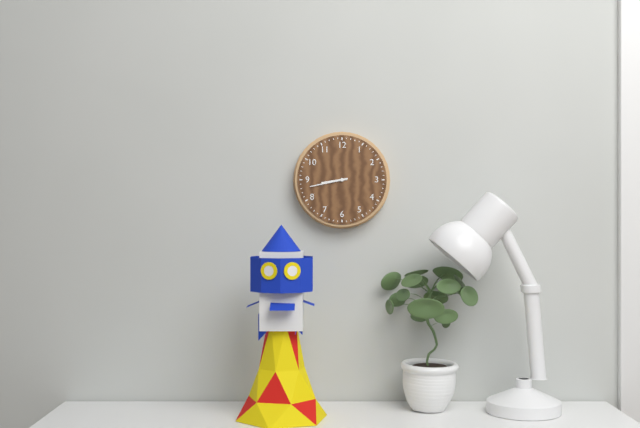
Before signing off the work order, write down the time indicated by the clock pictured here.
8:43
